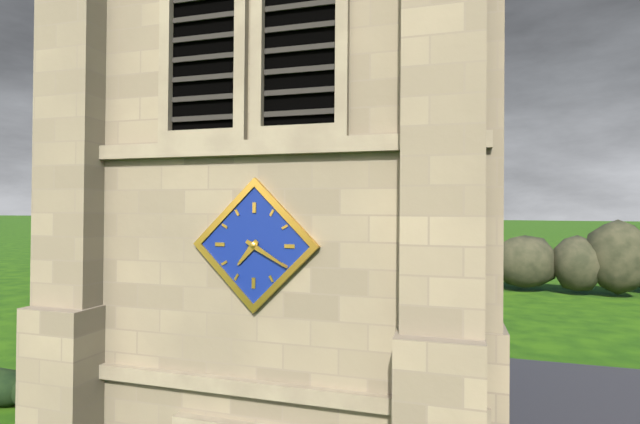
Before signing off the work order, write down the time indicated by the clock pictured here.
7:20
